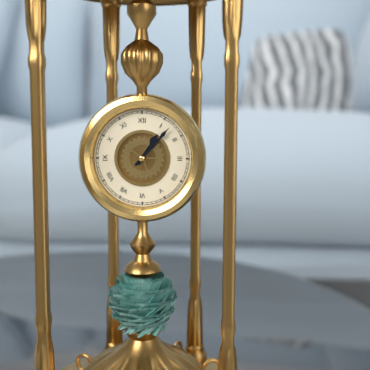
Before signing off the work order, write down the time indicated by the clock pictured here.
1:07
